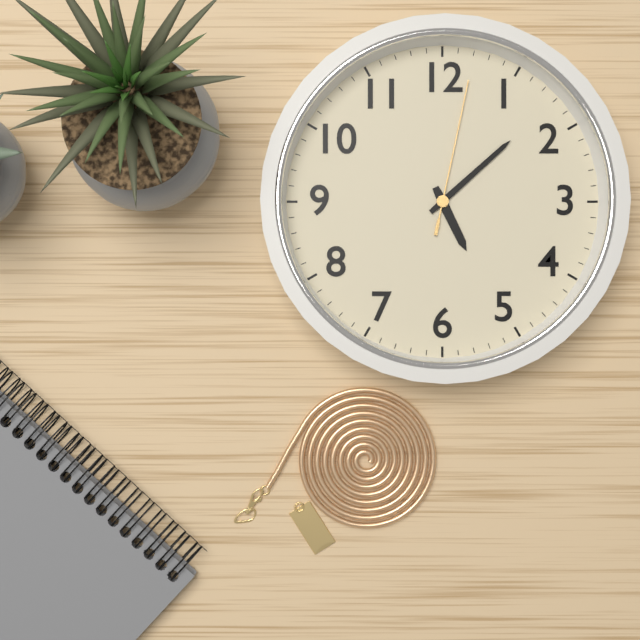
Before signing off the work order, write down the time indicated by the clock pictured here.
5:08:02
